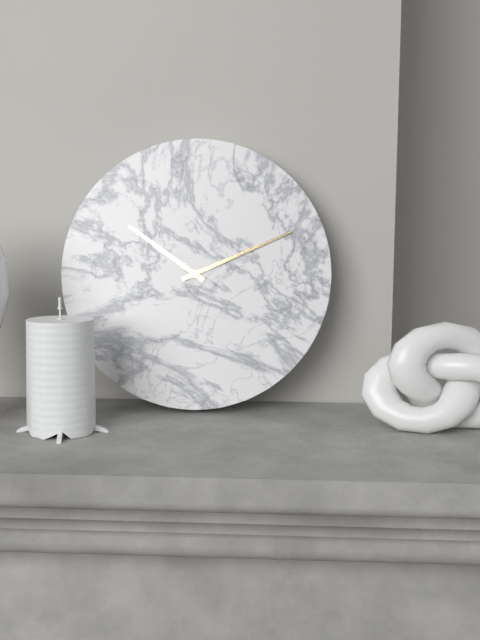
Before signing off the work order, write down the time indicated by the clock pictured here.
10:11
